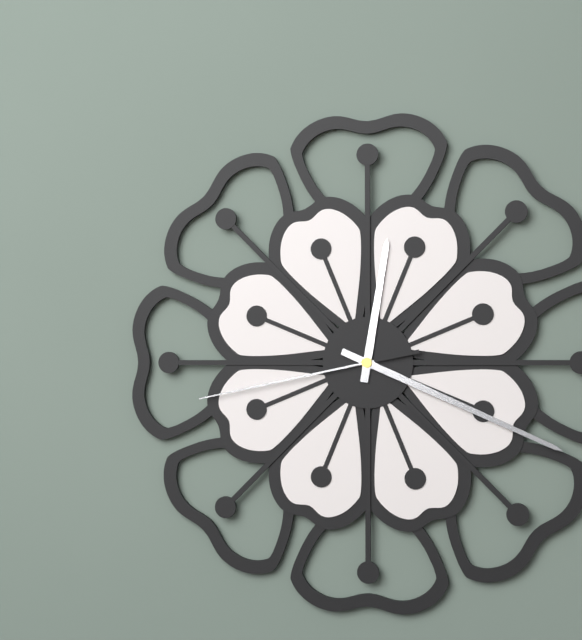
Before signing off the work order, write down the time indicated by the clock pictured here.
12:19:43
